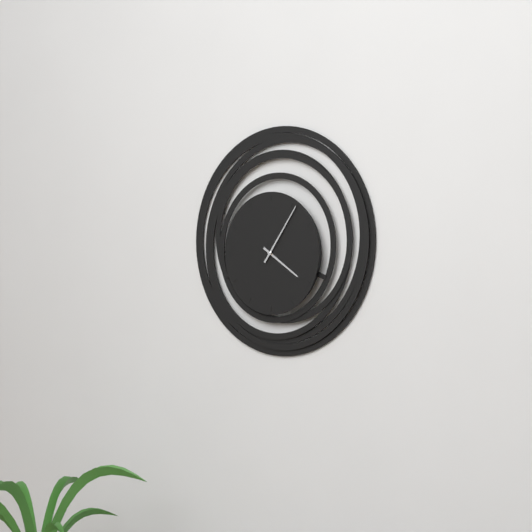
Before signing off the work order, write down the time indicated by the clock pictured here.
4:06
